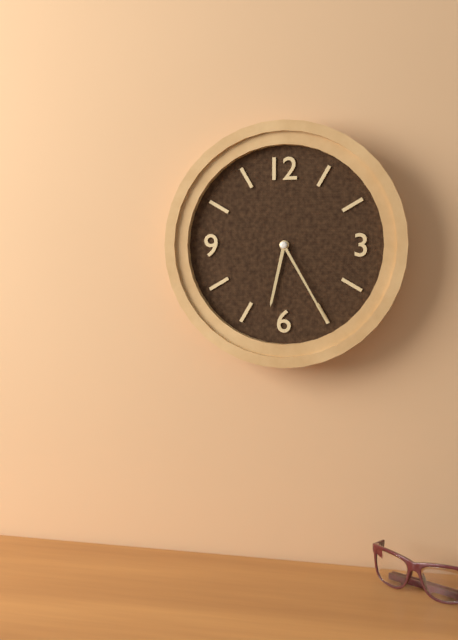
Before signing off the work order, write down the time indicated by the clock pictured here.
6:25
